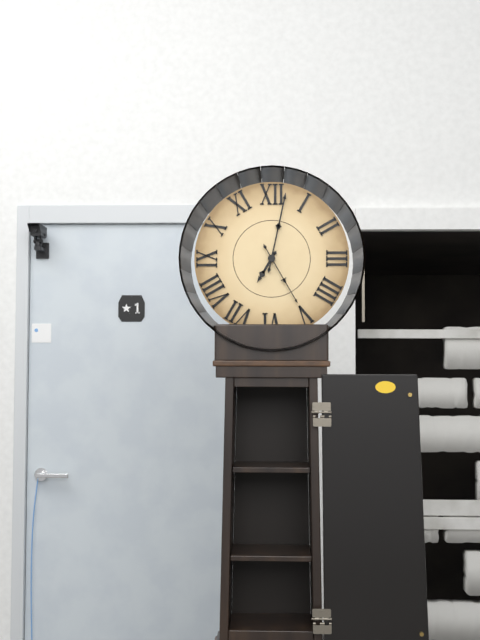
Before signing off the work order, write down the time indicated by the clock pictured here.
7:02:25
